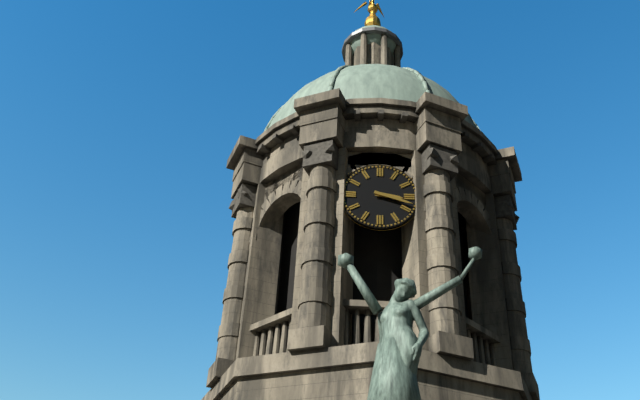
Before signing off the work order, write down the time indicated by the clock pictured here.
3:18
